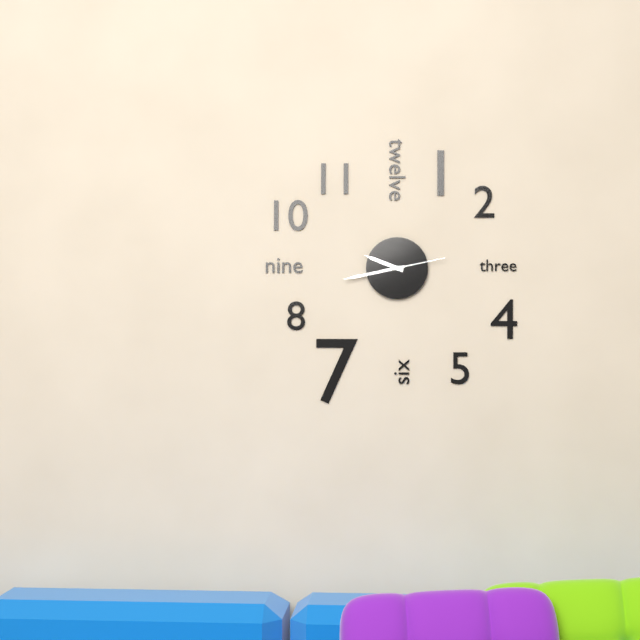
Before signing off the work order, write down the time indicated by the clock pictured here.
9:43:13
